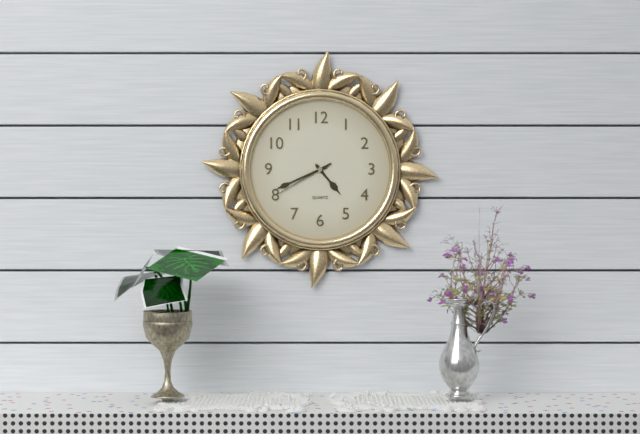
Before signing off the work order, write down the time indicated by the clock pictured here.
4:41:40
